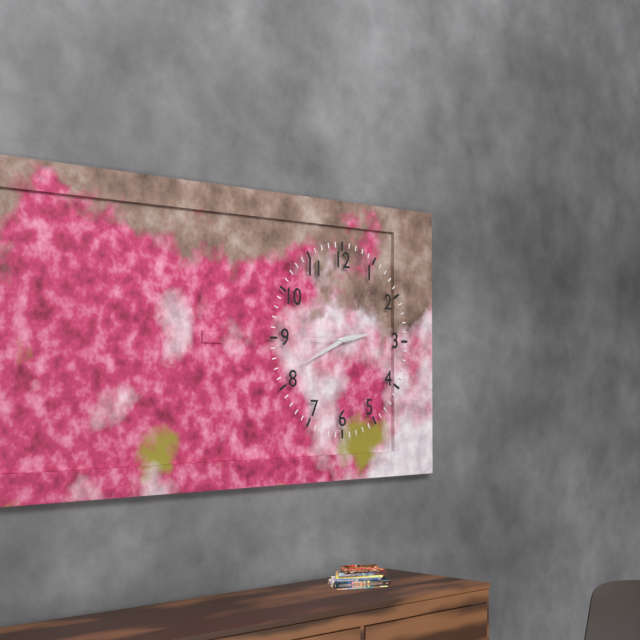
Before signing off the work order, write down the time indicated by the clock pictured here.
2:41
